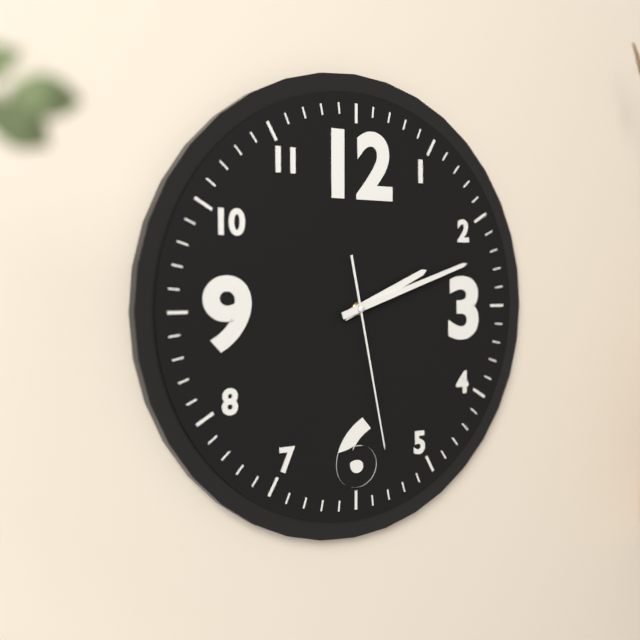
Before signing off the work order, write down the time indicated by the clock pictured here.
2:12:28
